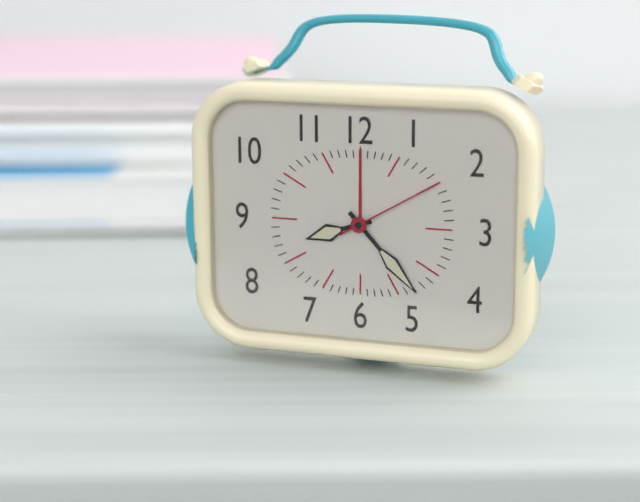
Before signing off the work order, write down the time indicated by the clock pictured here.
8:23:10
